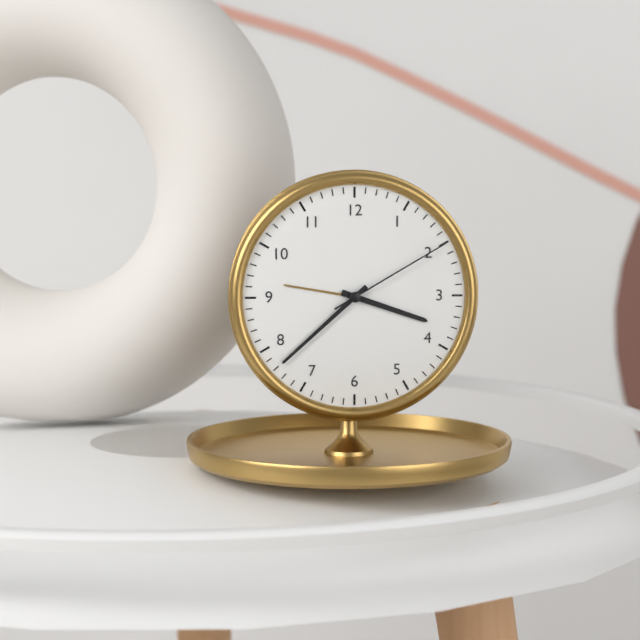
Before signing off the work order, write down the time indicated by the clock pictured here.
3:38:10
